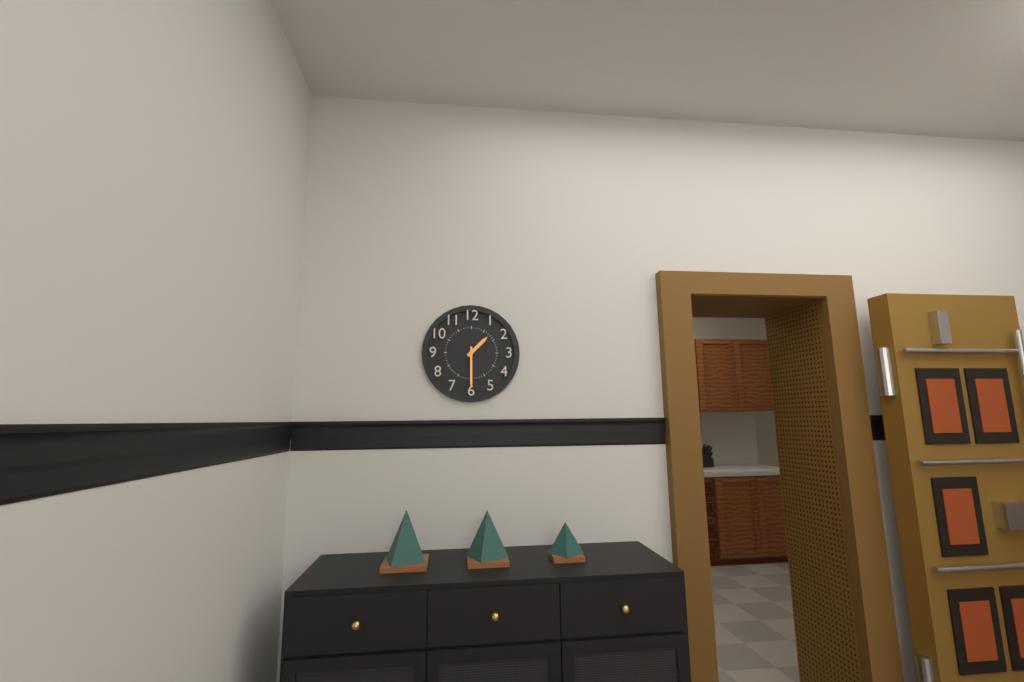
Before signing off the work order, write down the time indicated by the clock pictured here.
1:30
